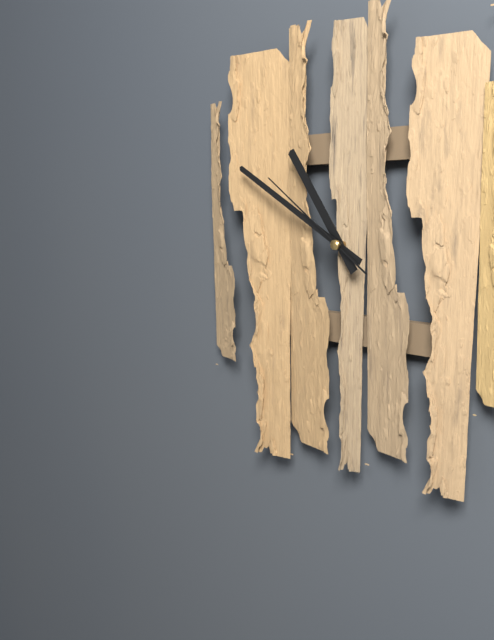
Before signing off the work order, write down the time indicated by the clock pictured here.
10:50:51
